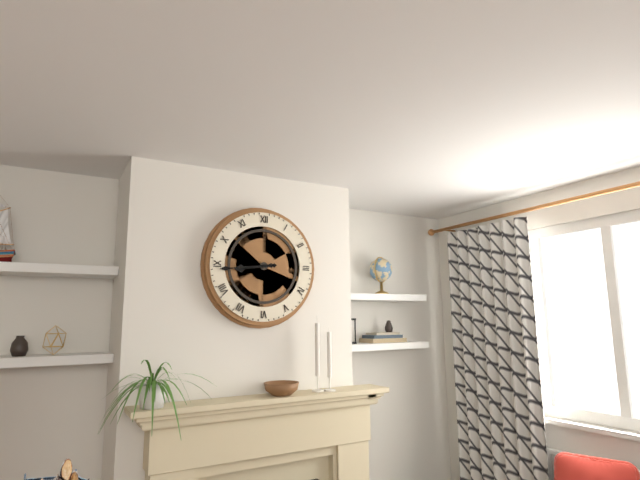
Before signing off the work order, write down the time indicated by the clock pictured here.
8:44
